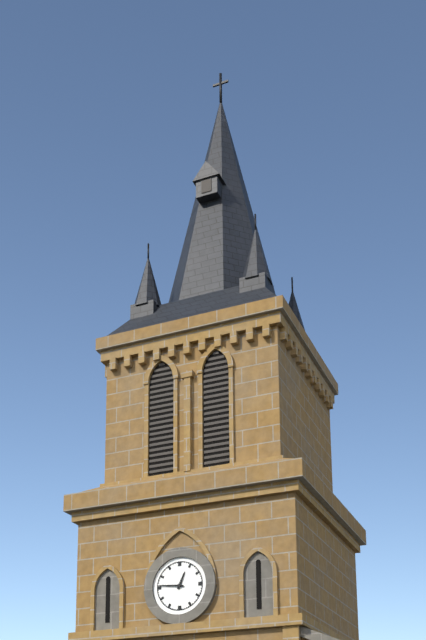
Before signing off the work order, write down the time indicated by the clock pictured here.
12:46
